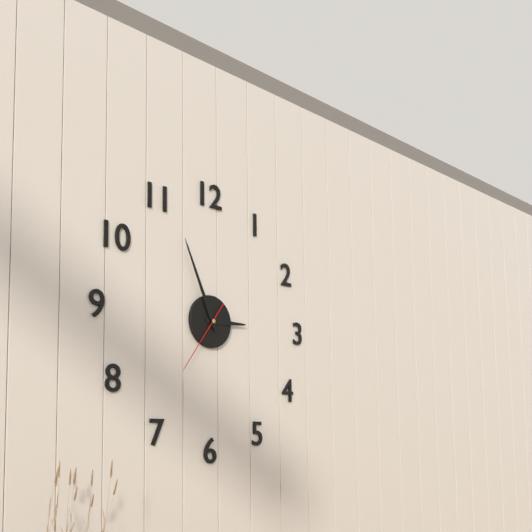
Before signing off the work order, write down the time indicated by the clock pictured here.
2:56:36
